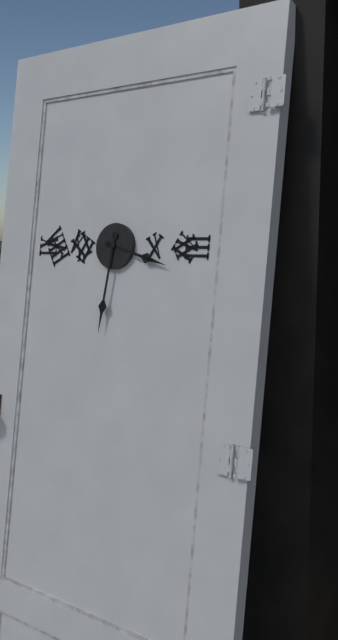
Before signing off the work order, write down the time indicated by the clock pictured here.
3:31
